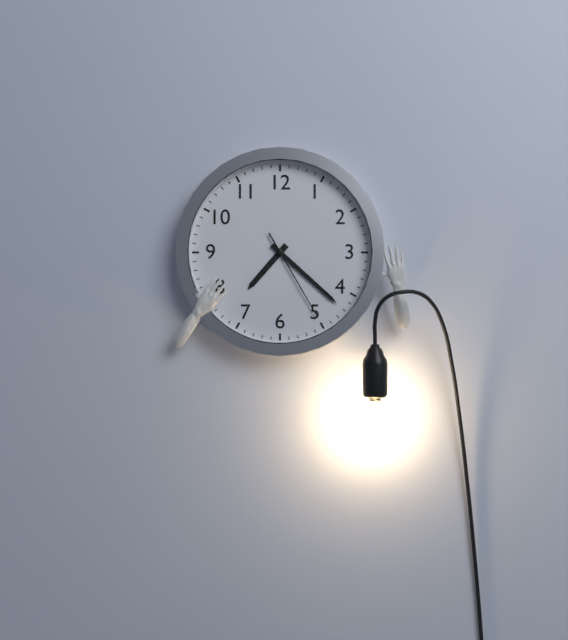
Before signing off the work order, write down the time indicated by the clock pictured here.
7:22:25
